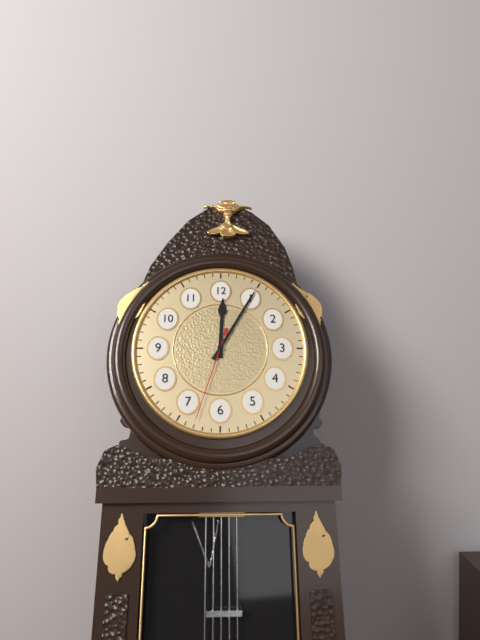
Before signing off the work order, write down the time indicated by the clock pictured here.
12:05:33
